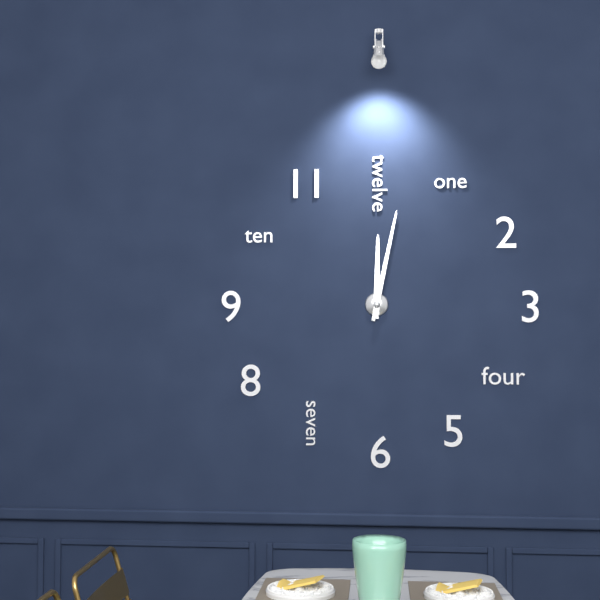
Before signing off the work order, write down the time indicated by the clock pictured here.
12:02
